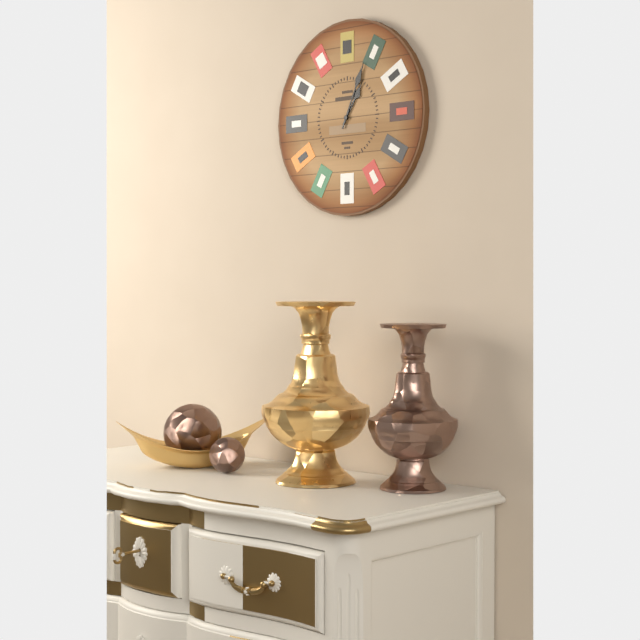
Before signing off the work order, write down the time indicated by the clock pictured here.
1:04
